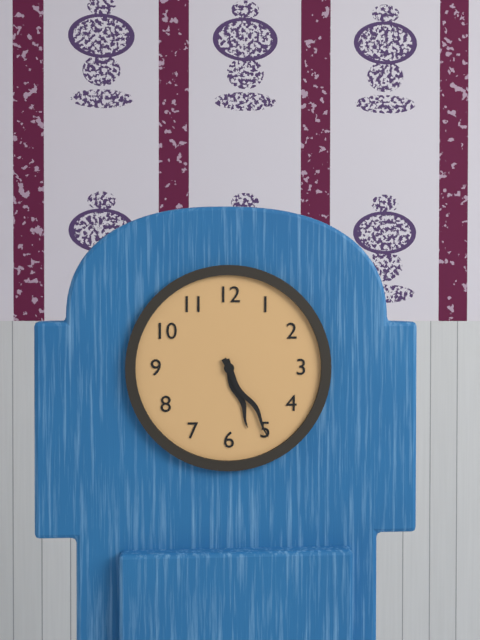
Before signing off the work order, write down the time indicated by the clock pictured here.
5:25
